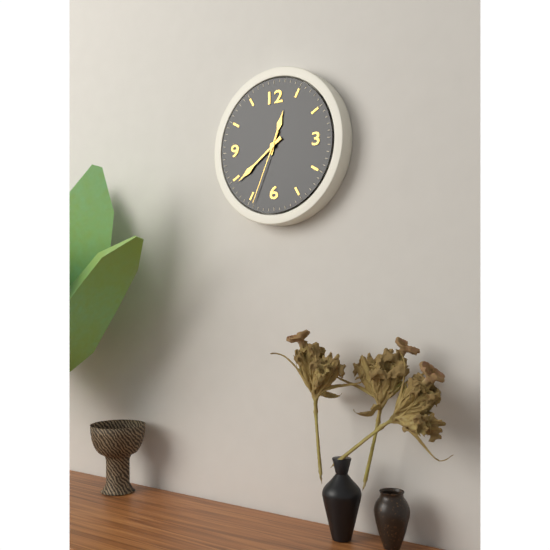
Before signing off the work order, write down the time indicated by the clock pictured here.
12:39:34
